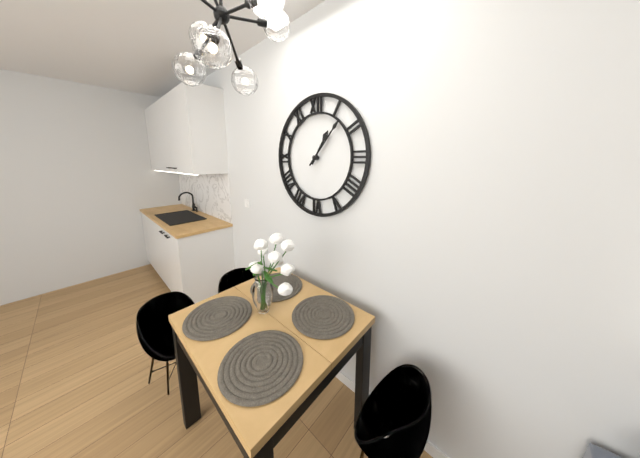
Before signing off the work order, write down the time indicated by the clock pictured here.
1:07
